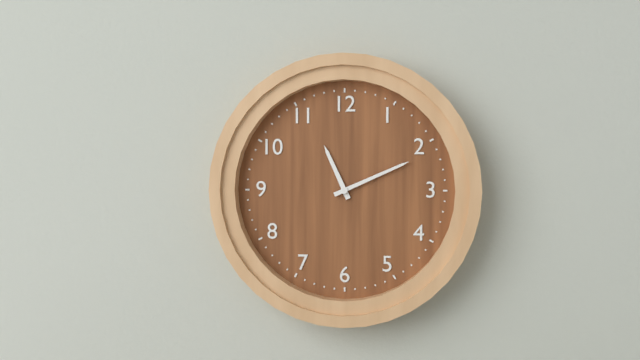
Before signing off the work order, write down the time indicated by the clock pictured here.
11:11
